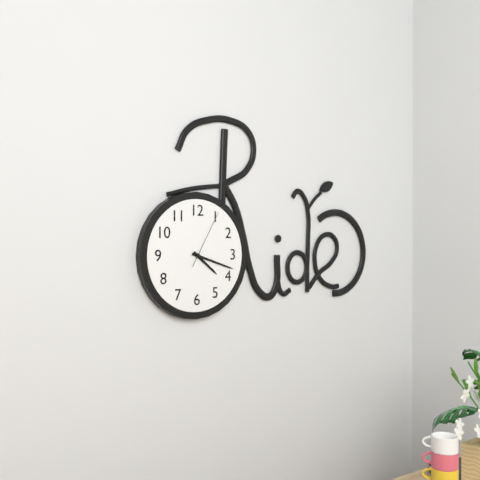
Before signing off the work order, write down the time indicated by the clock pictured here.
4:18:05
